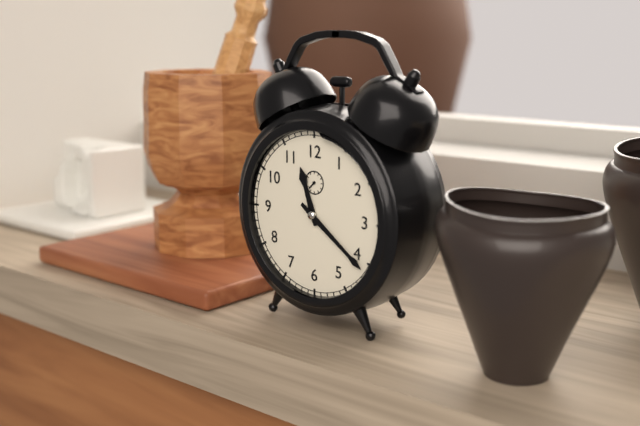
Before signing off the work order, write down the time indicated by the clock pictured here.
11:21
